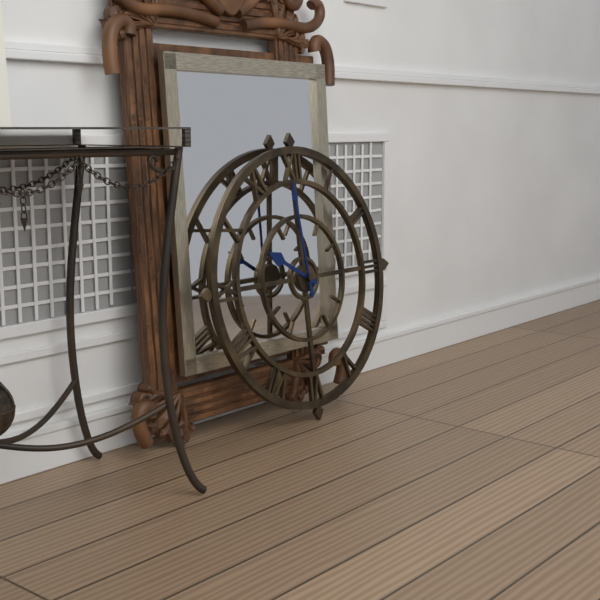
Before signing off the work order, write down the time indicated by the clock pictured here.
9:59
